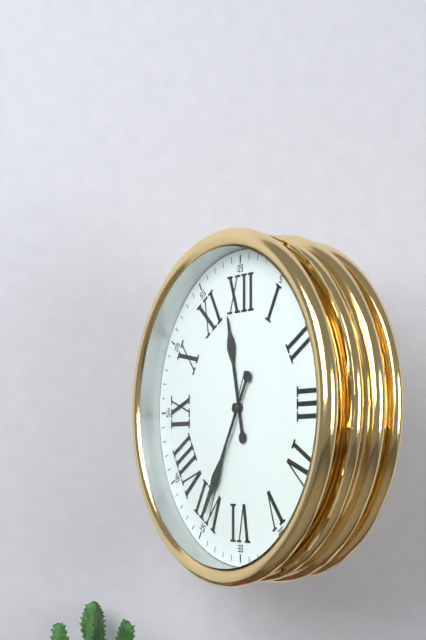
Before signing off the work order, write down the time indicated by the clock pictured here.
11:35:34
